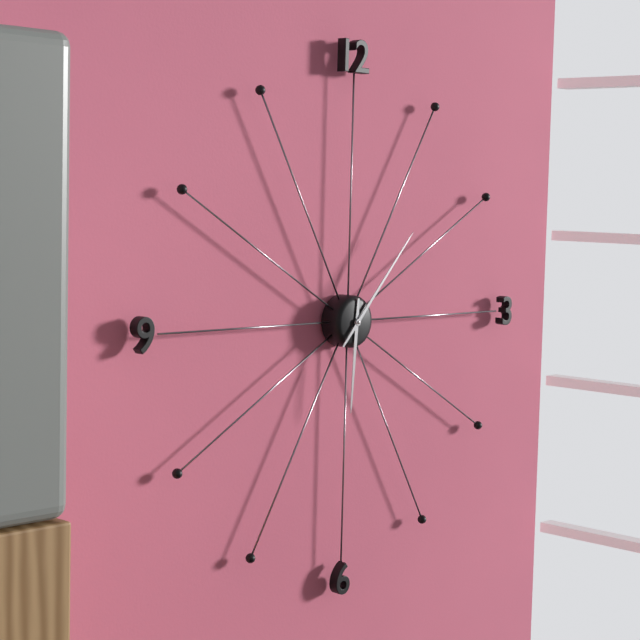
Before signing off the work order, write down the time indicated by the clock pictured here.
6:07
